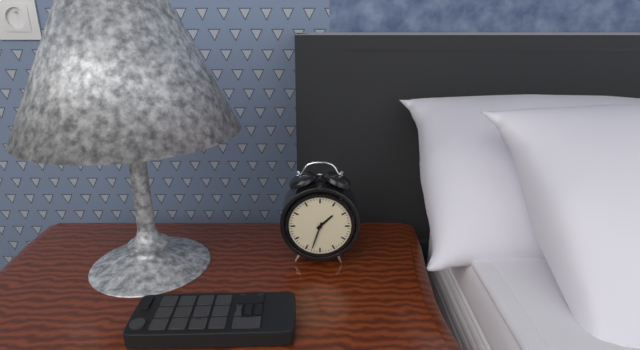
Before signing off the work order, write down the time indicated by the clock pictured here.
1:33
